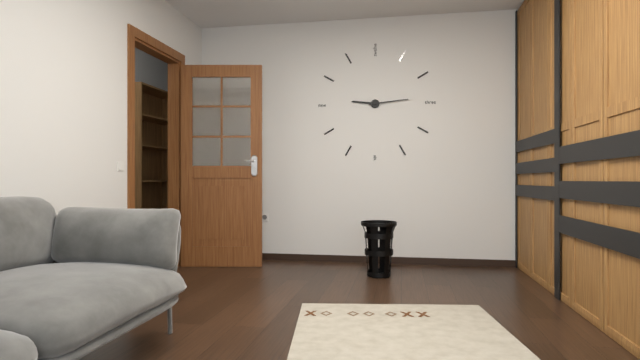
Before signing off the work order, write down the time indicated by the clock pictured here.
9:14
